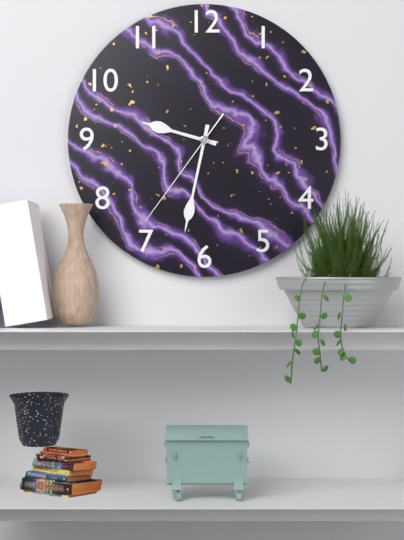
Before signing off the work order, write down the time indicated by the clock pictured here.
9:32:36
